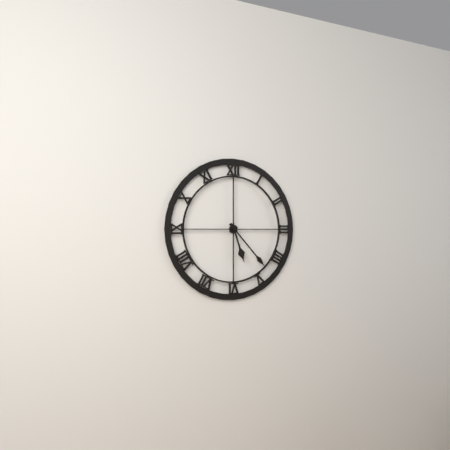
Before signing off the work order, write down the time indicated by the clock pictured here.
5:23
